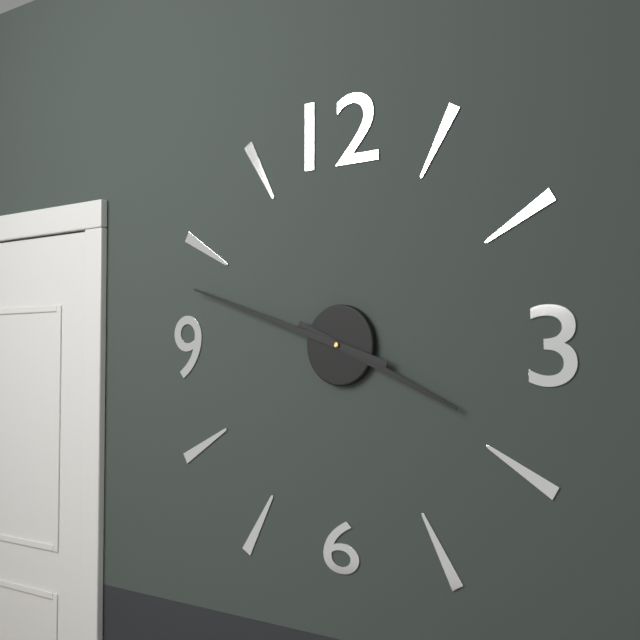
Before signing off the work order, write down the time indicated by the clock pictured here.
3:48
